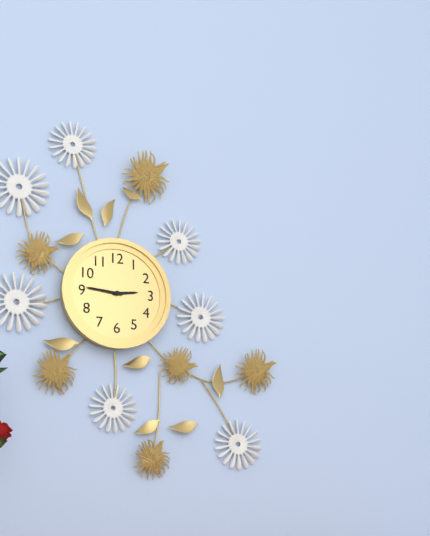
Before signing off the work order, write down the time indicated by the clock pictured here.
2:46
